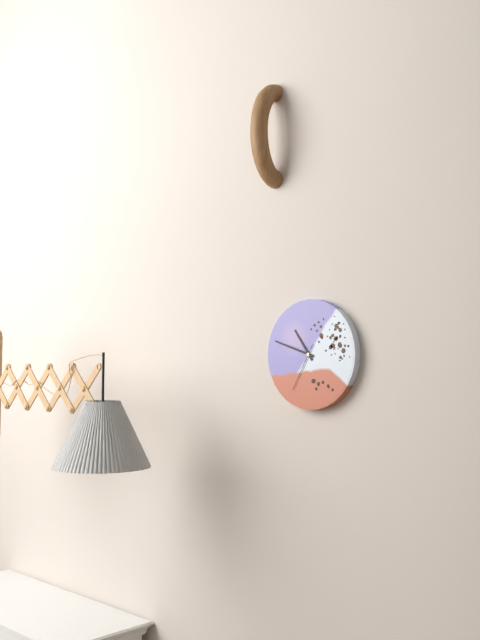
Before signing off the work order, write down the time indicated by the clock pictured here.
10:48
